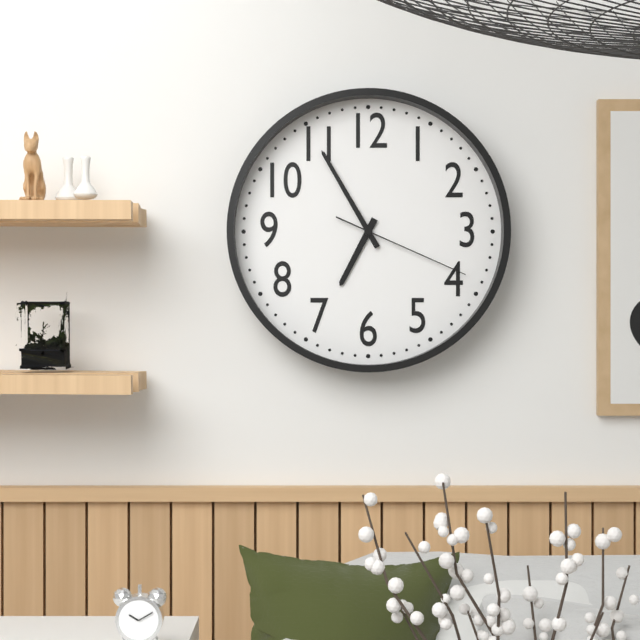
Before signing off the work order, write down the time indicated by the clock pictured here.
6:55:19
